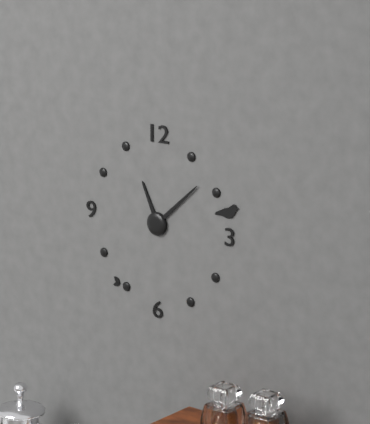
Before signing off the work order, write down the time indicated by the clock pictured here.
11:08
